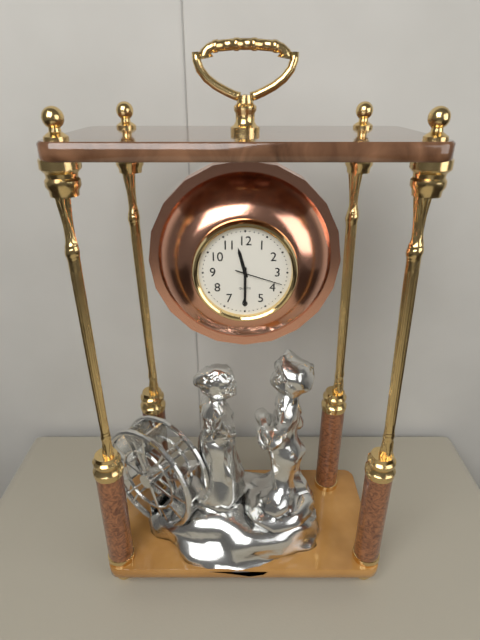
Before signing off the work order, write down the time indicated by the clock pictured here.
11:30
